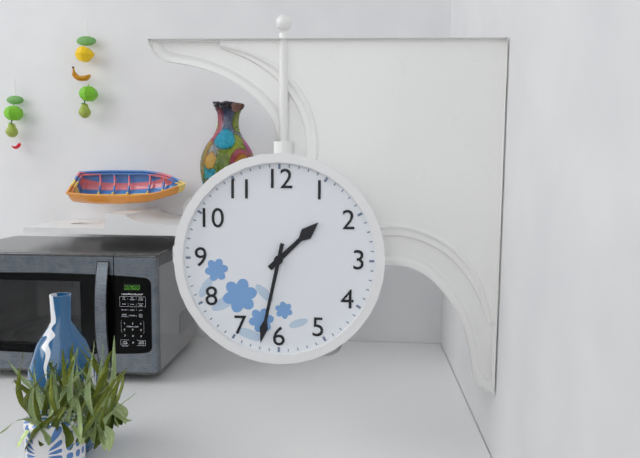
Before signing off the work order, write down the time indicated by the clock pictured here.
1:32
